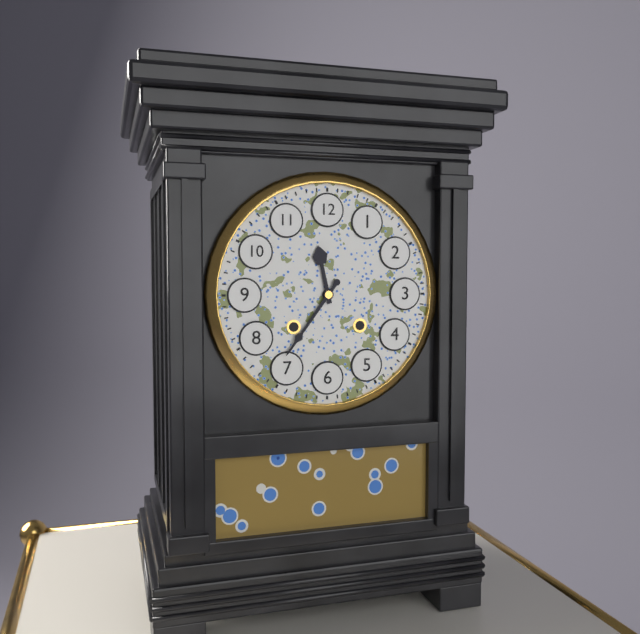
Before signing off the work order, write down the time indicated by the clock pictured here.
11:36
